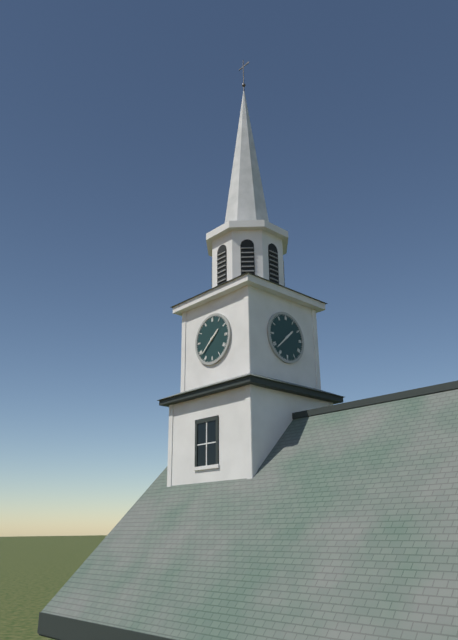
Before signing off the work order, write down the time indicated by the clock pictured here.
1:38
